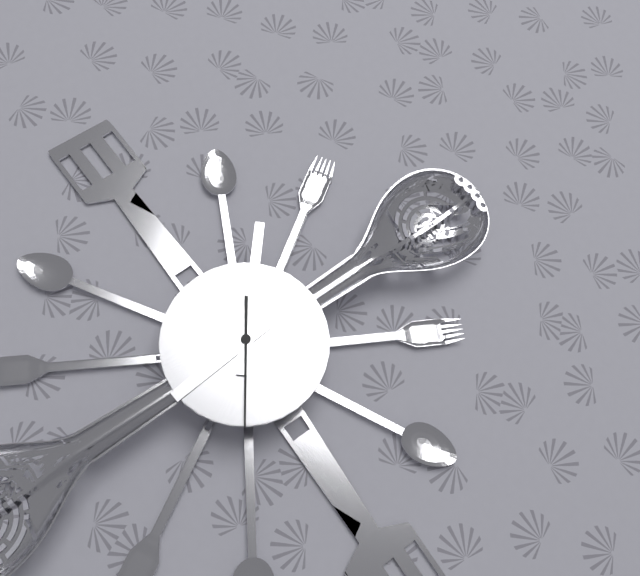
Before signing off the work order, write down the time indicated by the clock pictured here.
5:52:21
